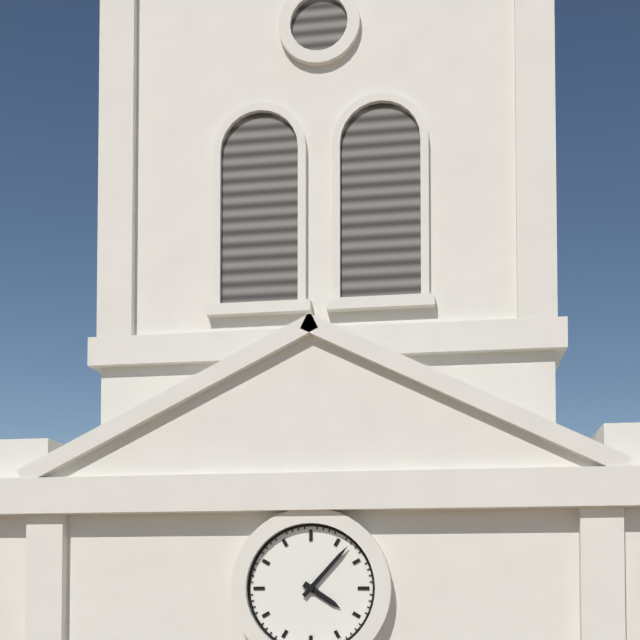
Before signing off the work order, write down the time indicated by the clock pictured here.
4:07
